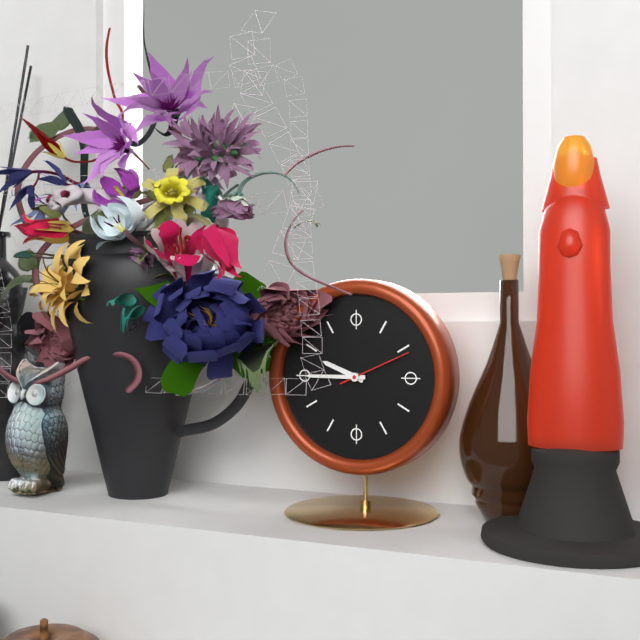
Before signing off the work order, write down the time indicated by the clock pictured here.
9:45:11
